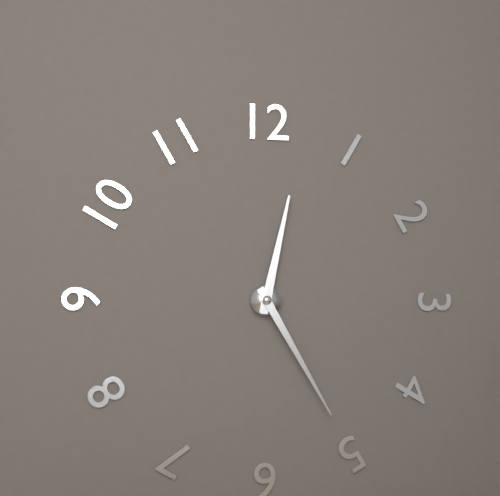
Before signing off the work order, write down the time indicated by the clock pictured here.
12:25
